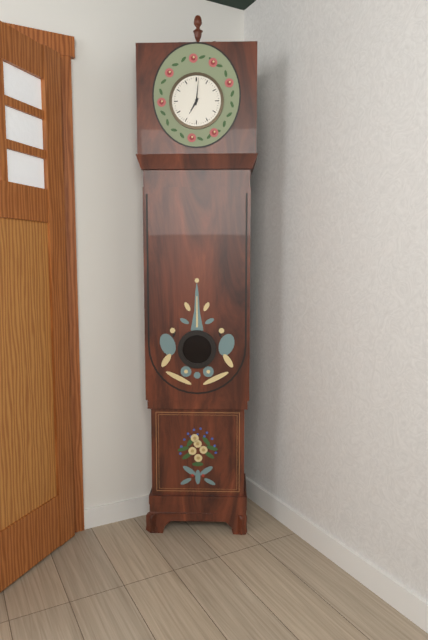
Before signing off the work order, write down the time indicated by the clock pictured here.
7:01
